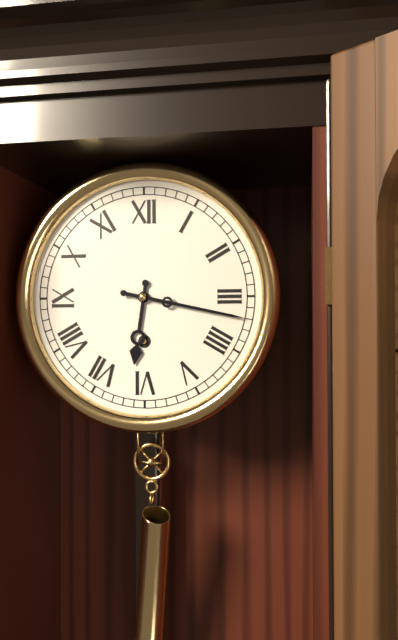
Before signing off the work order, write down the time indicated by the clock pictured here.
6:17
